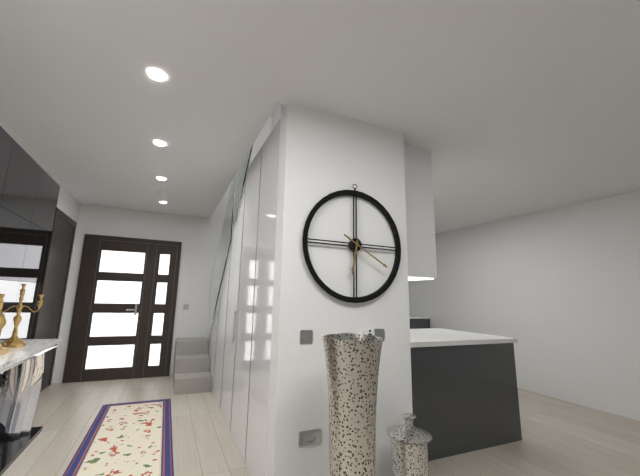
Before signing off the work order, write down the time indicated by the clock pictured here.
6:20
